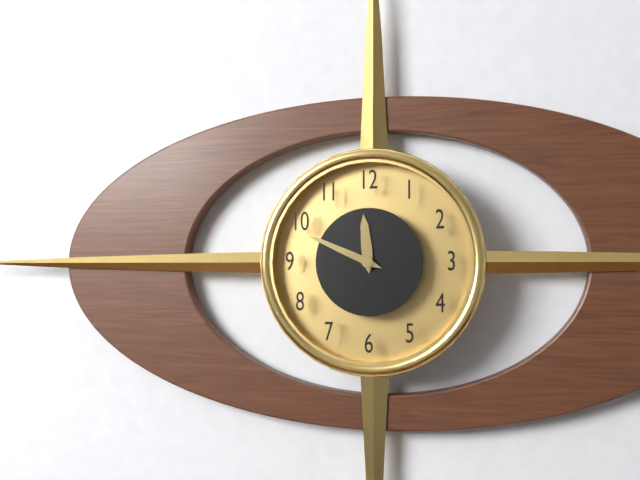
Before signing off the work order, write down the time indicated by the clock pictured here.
11:49
